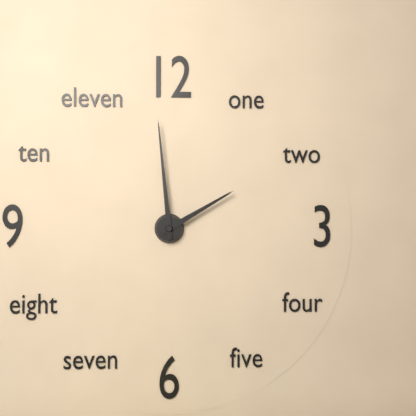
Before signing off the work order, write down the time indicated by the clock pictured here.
1:59
